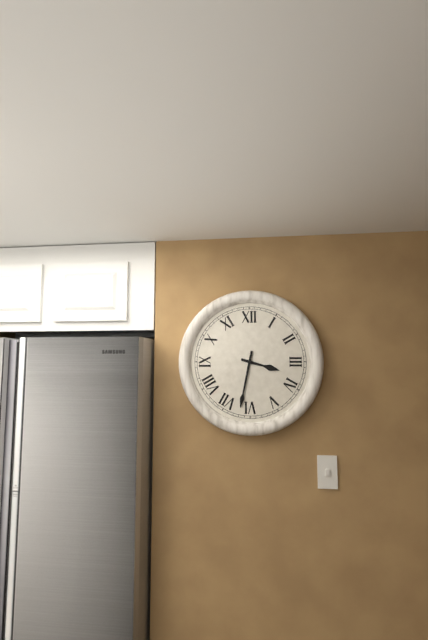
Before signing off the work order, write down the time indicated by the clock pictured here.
3:32
